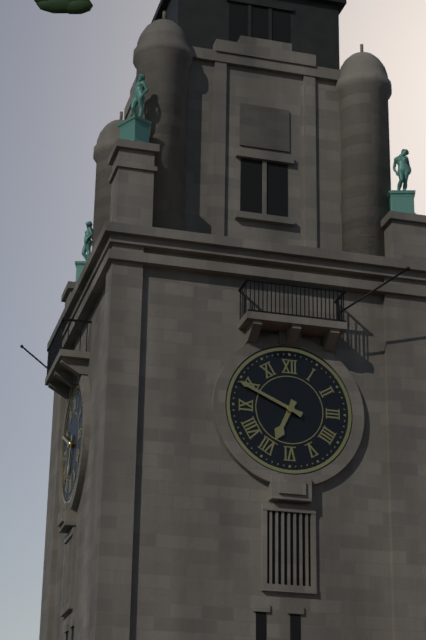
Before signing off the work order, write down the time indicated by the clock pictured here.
6:49
